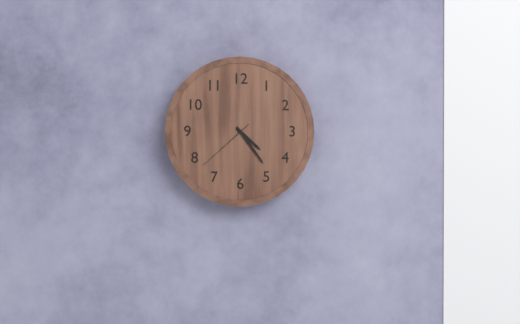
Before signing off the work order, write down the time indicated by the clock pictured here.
4:24:38
